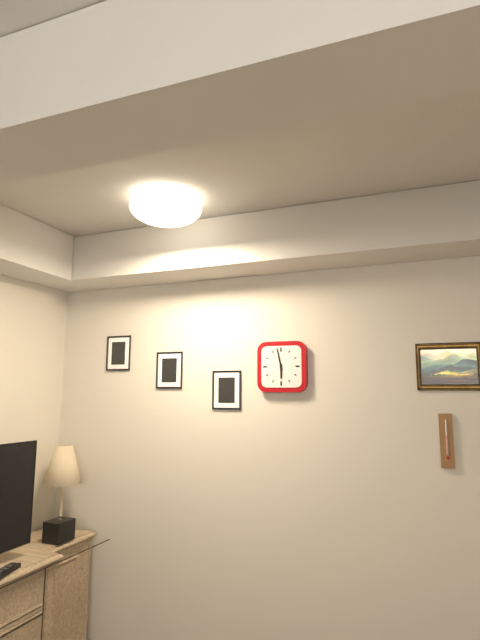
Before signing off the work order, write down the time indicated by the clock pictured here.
5:58
